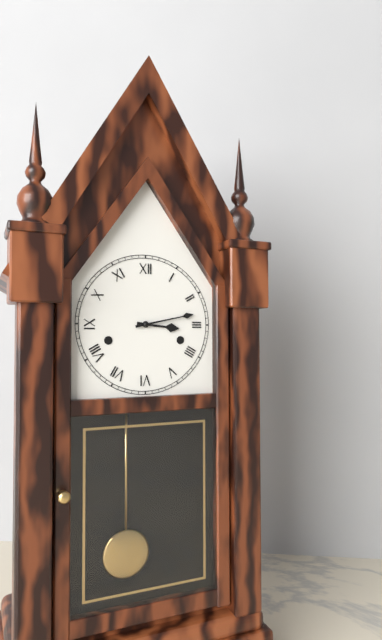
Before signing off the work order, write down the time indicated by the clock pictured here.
3:13
